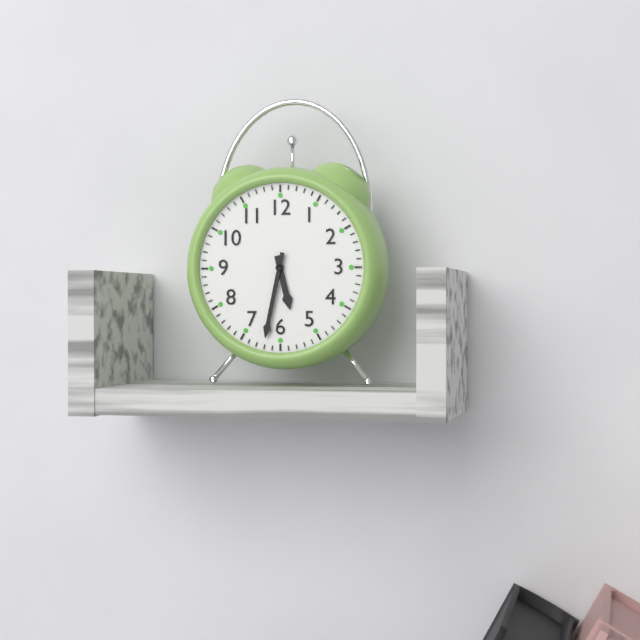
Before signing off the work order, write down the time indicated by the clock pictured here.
5:32
